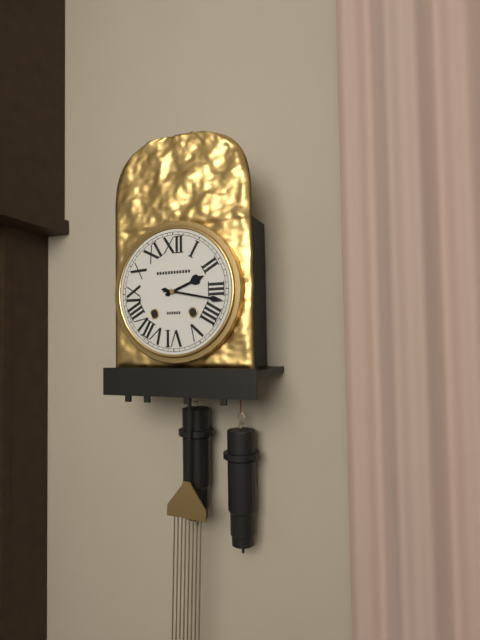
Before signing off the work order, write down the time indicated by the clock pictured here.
2:17
